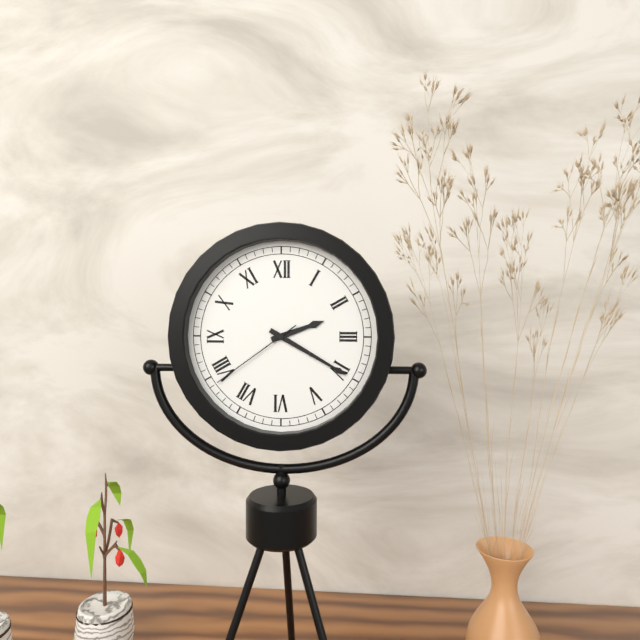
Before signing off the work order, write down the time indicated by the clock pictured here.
2:20:39
